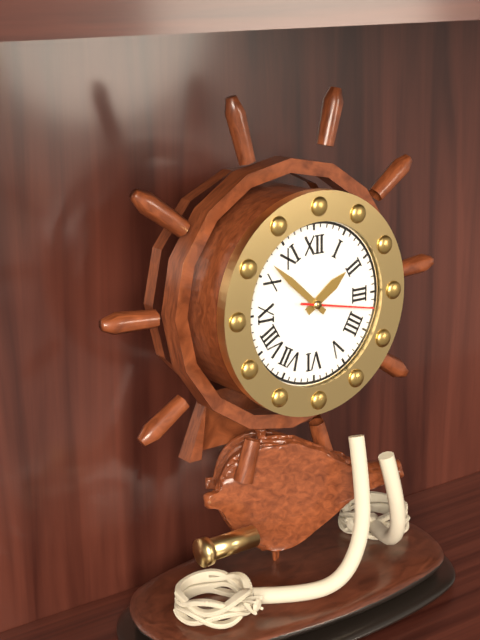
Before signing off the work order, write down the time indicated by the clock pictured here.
1:52:17
